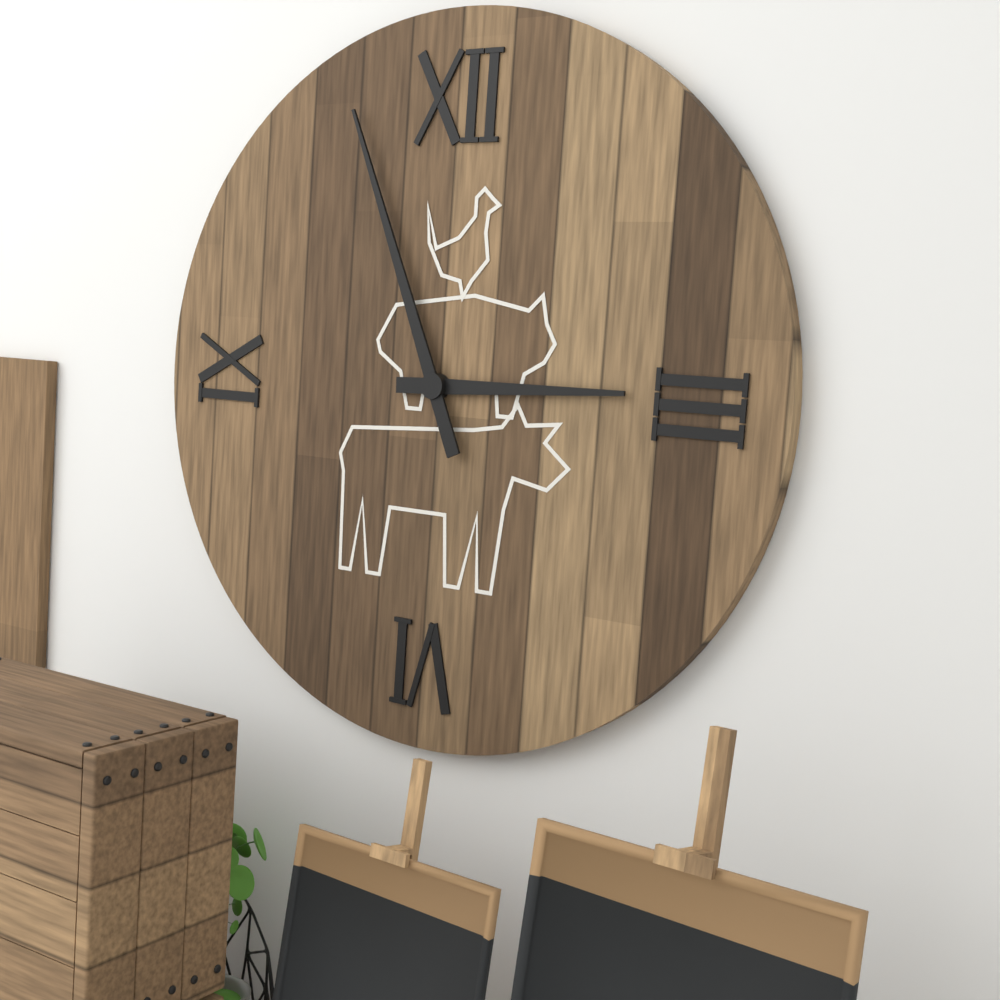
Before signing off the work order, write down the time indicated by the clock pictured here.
2:56
